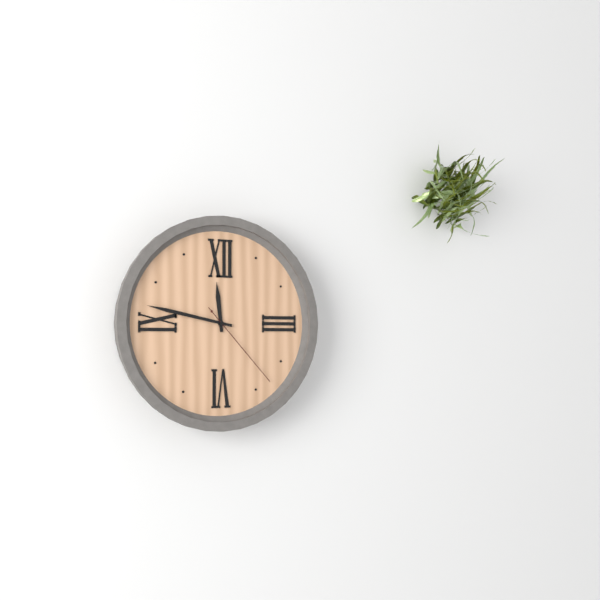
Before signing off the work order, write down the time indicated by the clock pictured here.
11:47:23
